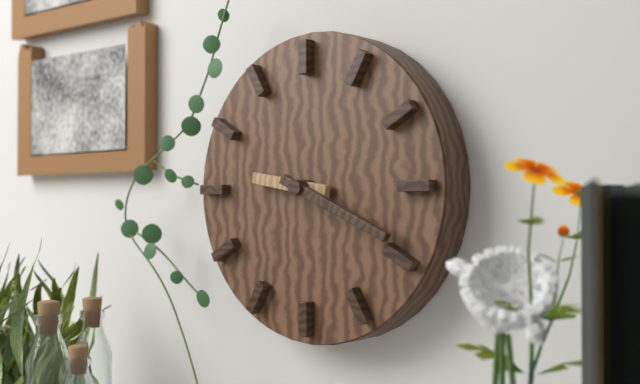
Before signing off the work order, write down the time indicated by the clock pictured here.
9:19
